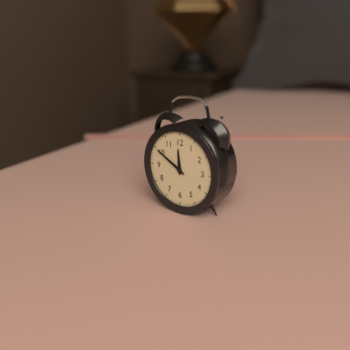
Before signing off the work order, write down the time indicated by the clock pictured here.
11:50
